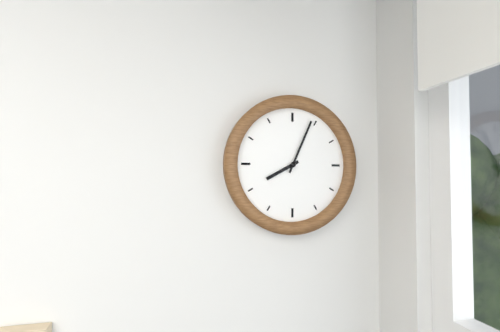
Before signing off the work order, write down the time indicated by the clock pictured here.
8:04
